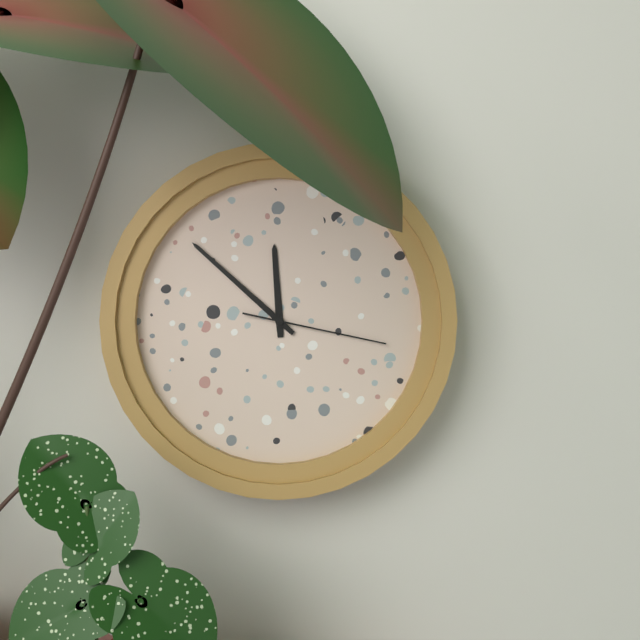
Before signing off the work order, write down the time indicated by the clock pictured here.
11:52:17
